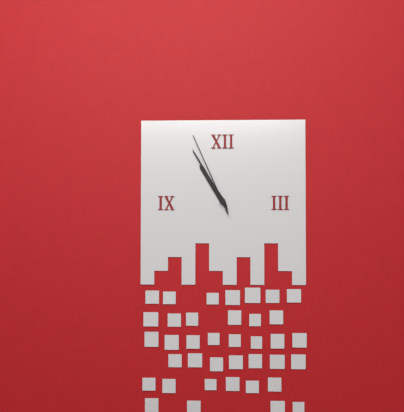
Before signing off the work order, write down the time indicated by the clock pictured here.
10:55:56
